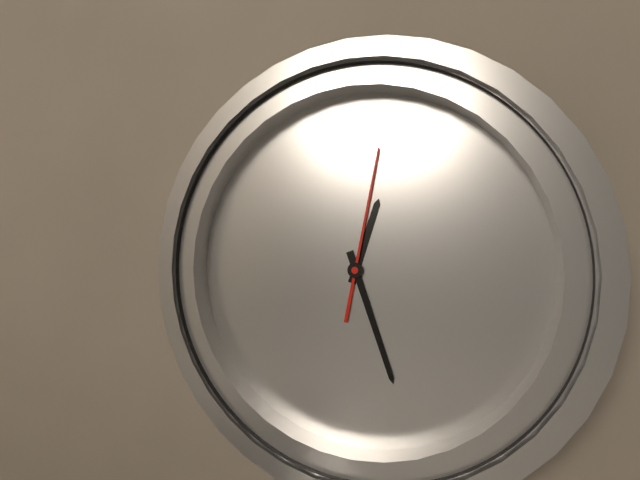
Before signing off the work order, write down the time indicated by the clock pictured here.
12:26:01
